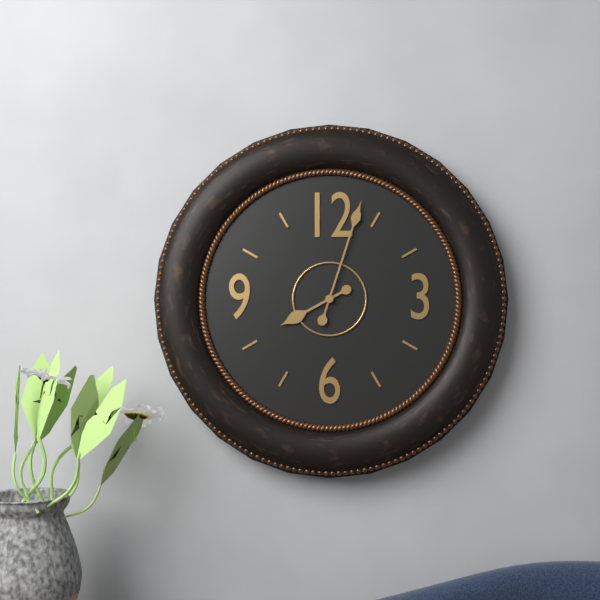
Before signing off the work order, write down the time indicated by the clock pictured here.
8:03
